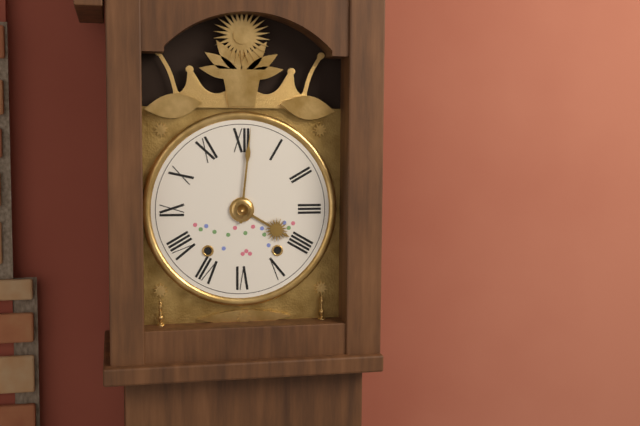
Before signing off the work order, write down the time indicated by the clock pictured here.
4:01
